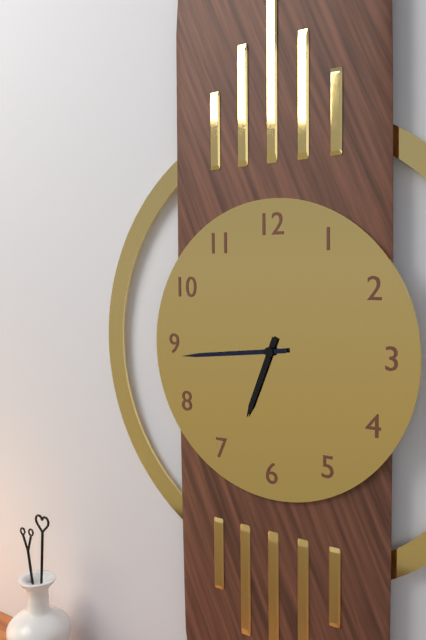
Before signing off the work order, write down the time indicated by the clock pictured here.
6:44
